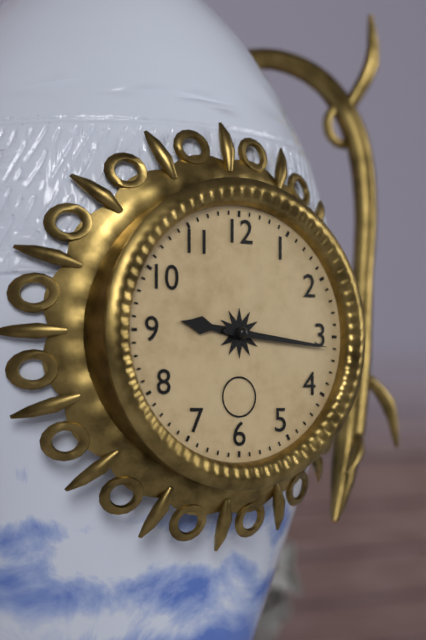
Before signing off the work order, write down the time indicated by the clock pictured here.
9:16
